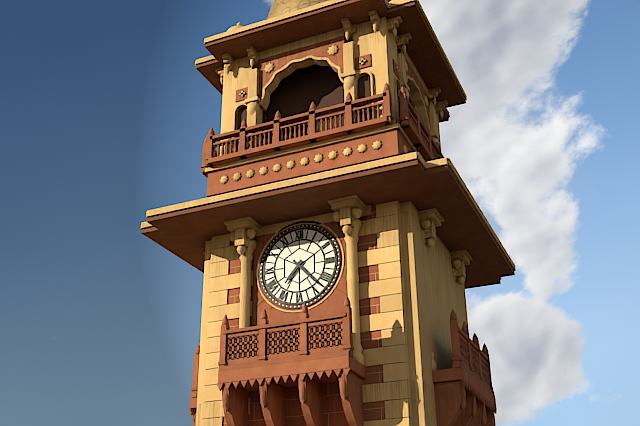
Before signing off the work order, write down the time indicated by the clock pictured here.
7:23
